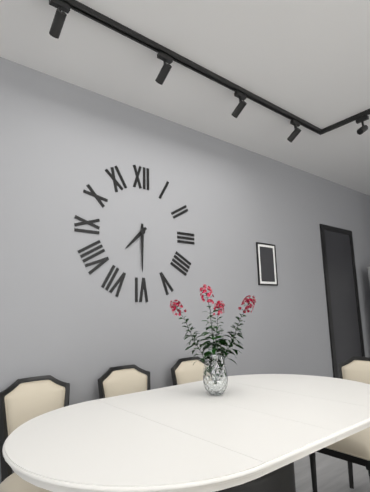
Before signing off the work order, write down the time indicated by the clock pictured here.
7:30
